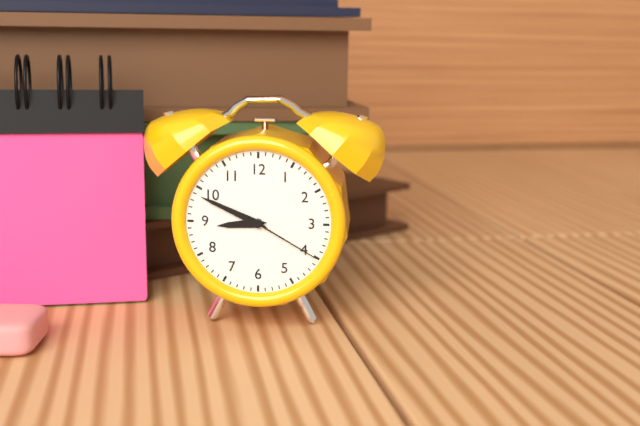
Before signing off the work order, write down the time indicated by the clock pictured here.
8:49:20
